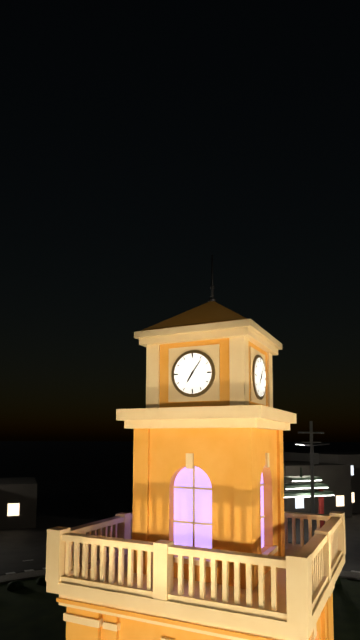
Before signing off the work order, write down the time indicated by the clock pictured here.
7:06
